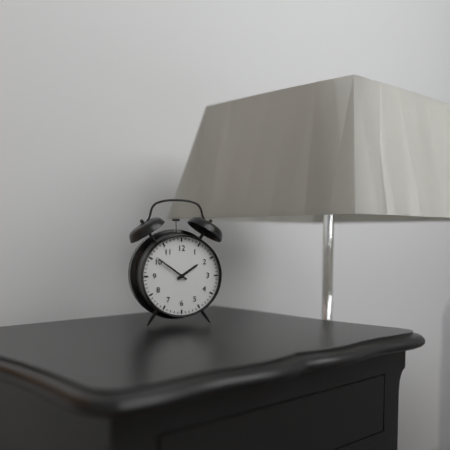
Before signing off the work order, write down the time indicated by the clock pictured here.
1:51
